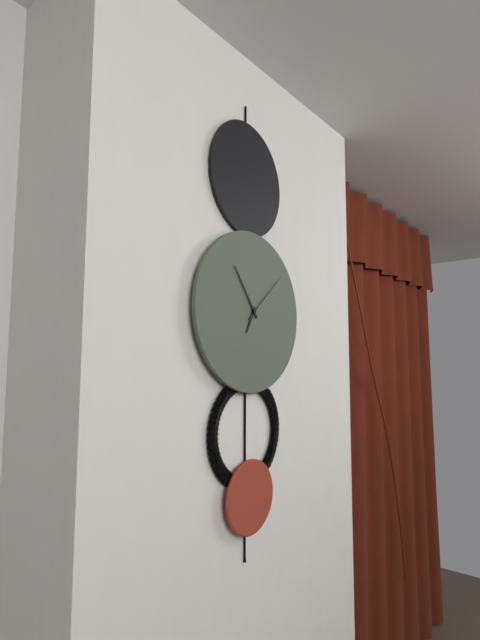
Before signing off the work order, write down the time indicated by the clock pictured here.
6:54:08
